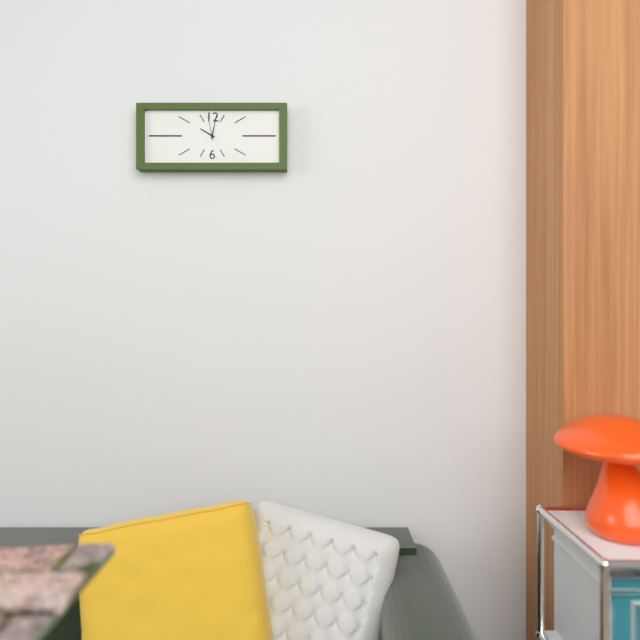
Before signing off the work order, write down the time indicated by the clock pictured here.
10:02
